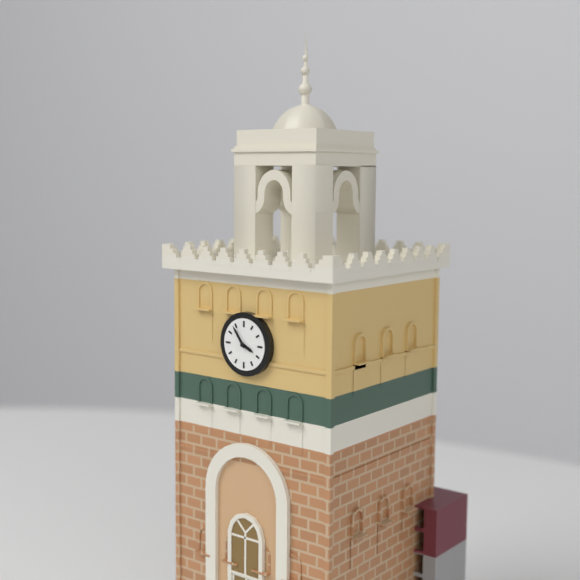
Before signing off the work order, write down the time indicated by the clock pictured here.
3:54
